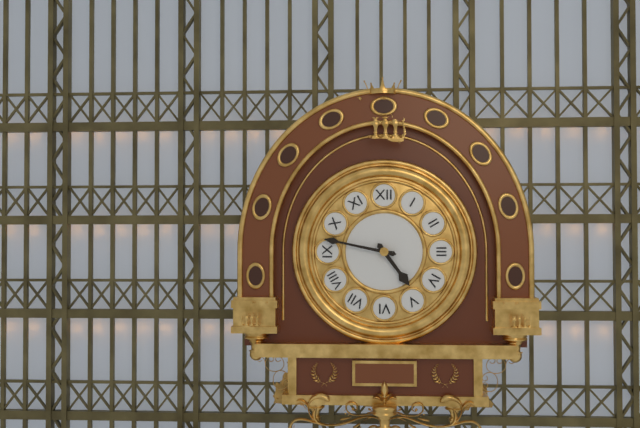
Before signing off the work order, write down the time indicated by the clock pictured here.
4:47
